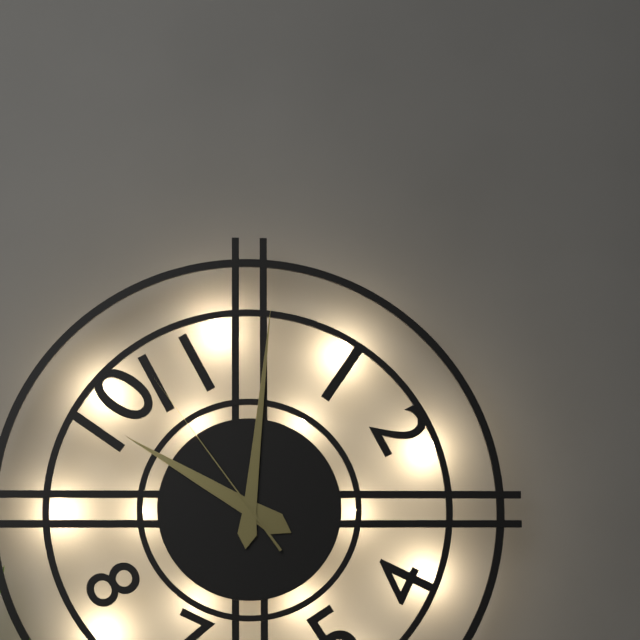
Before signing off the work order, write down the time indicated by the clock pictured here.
10:01:54
